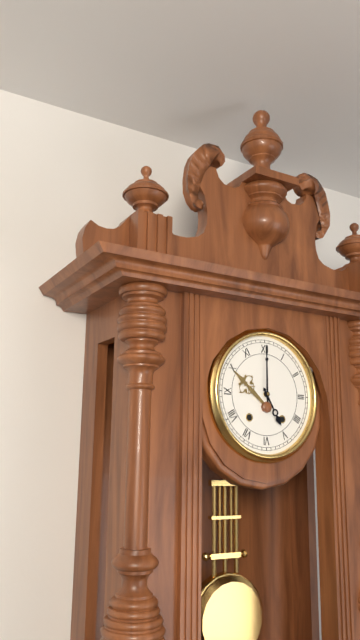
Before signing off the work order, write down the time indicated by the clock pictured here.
5:00
